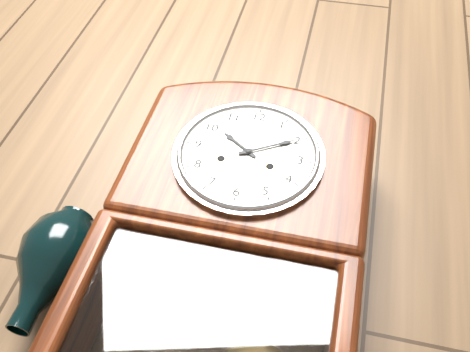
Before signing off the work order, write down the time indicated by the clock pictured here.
10:10
